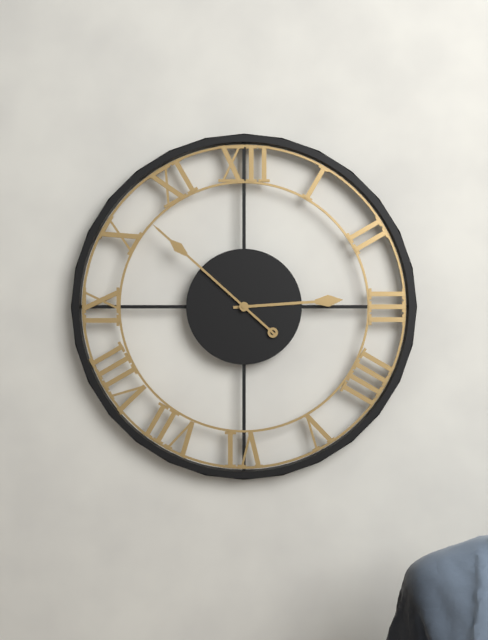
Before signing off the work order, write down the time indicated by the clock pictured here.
2:52
